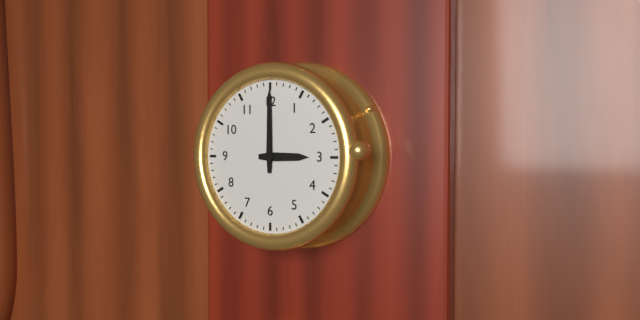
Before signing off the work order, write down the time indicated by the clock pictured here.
3:00
